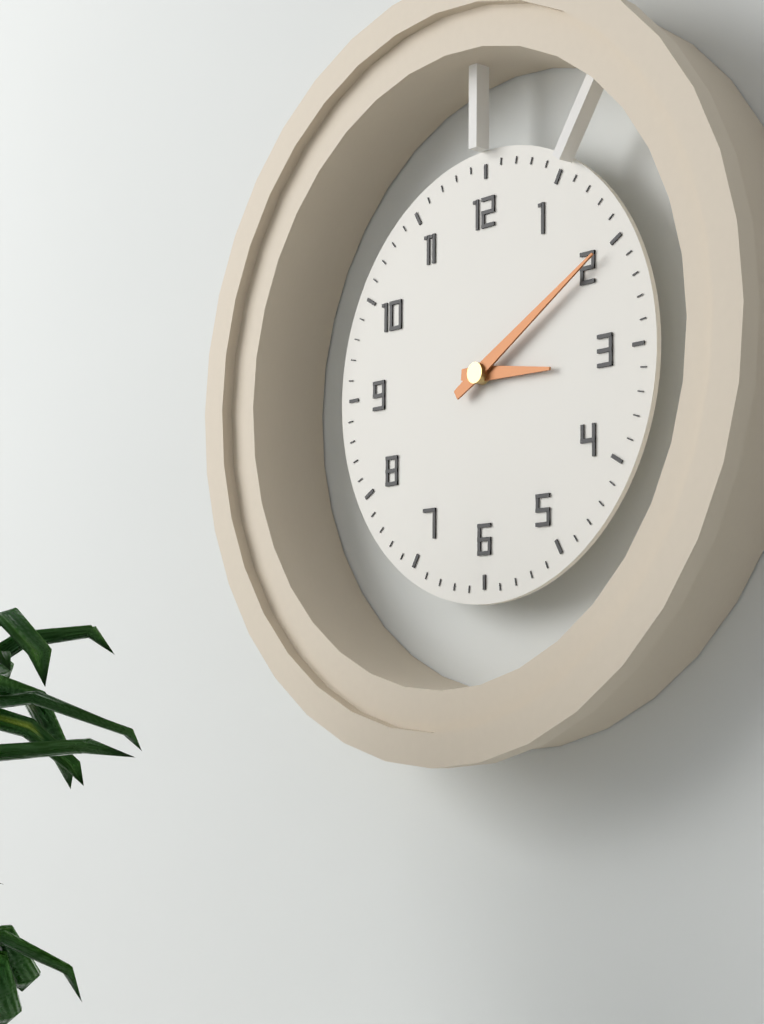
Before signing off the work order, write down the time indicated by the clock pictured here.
3:10
